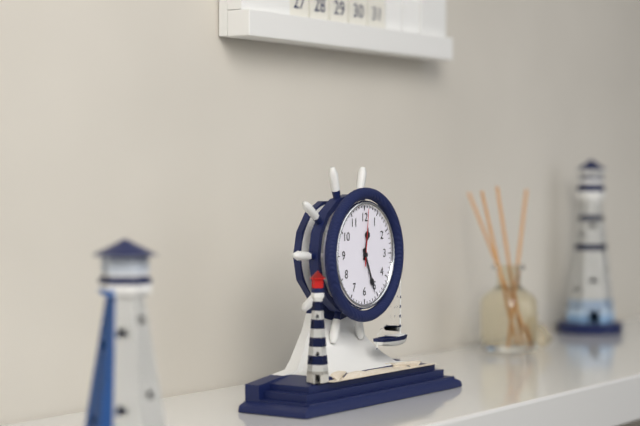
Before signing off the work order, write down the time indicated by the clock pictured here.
12:26:01
